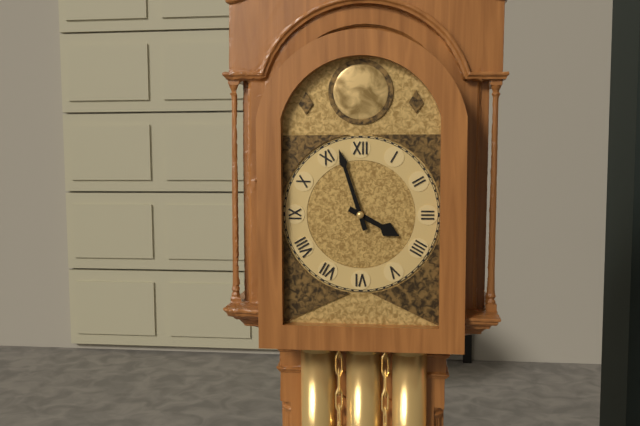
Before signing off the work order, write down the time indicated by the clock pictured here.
3:57
